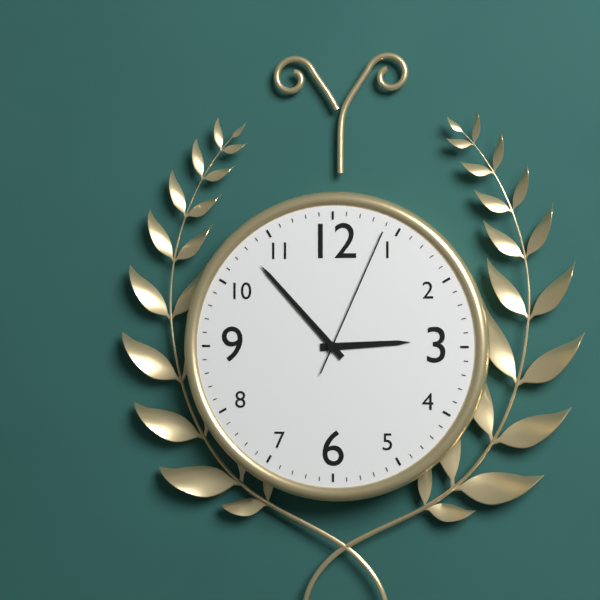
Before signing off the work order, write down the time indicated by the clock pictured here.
2:53:04
